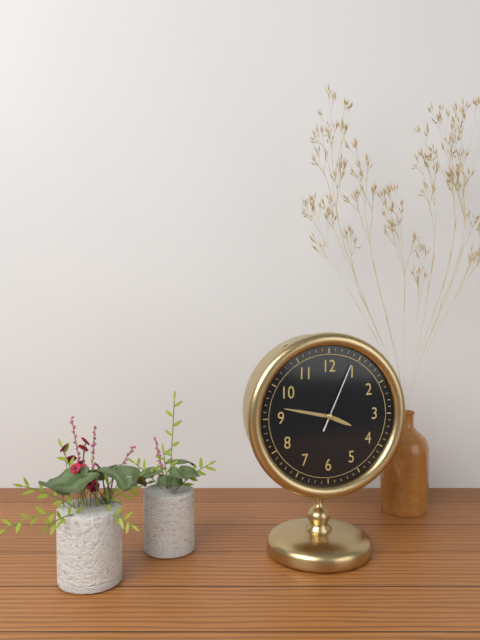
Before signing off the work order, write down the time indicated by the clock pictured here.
3:47:04
